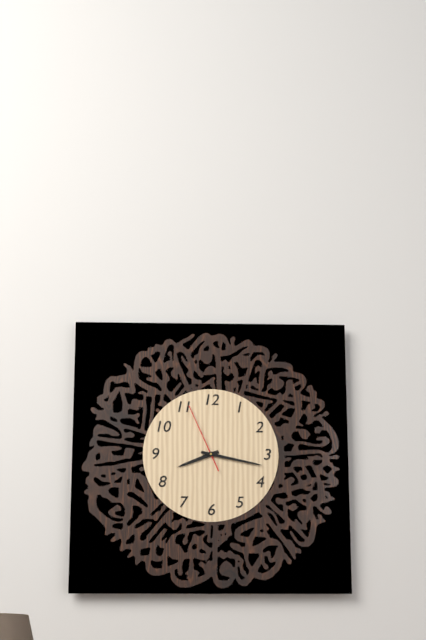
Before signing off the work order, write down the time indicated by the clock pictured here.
8:17:56
